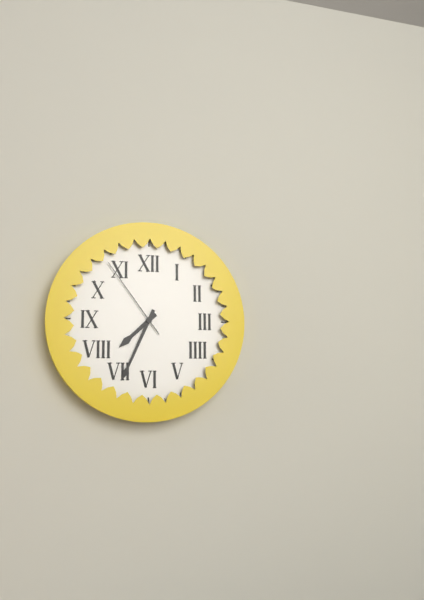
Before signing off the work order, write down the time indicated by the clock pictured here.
7:34:54
